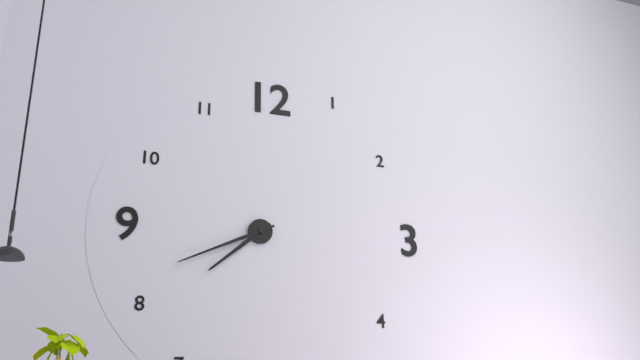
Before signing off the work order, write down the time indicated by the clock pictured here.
7:41
